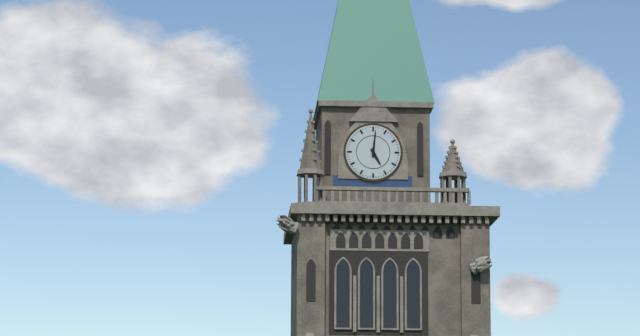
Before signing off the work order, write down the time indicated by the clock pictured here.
5:01
